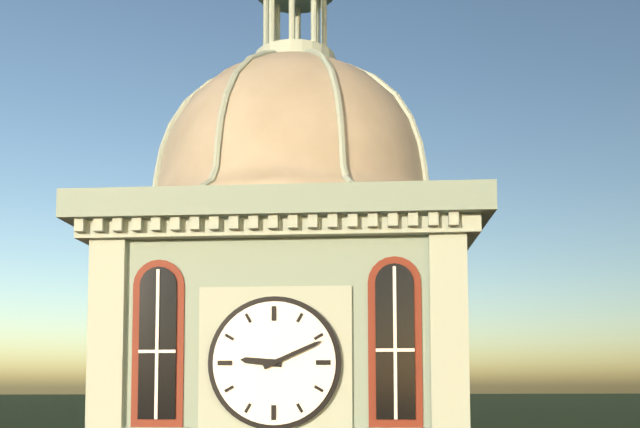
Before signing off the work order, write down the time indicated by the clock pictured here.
9:11
